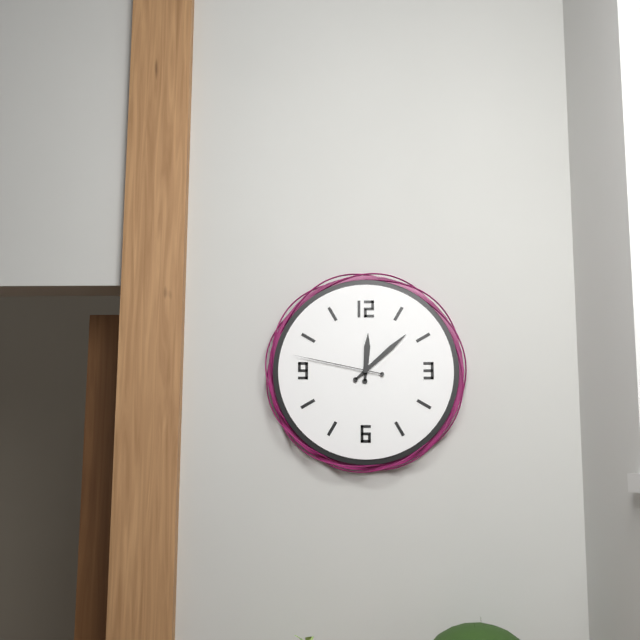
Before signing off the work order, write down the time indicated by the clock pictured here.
12:08:47
